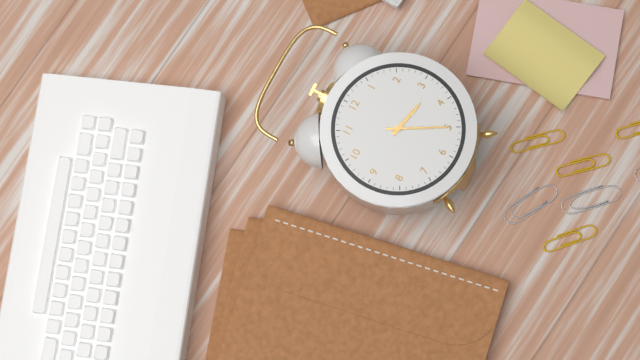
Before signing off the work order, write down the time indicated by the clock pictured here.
3:25
